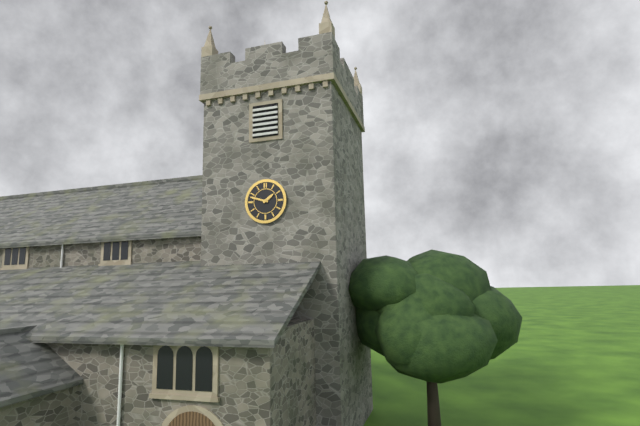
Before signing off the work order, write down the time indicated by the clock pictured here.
1:48
